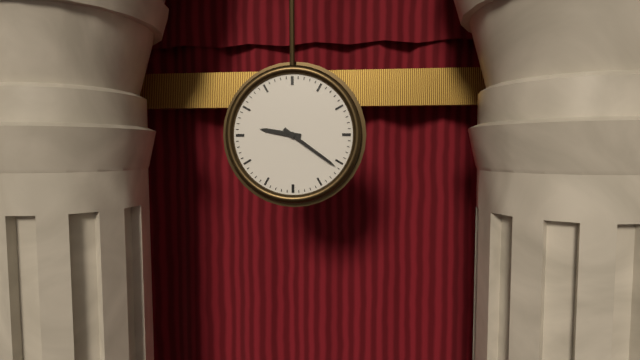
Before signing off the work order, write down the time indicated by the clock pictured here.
9:21
